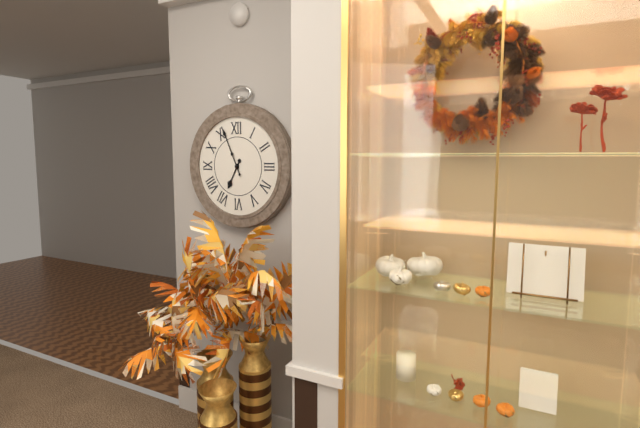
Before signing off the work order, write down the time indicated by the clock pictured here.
6:56
